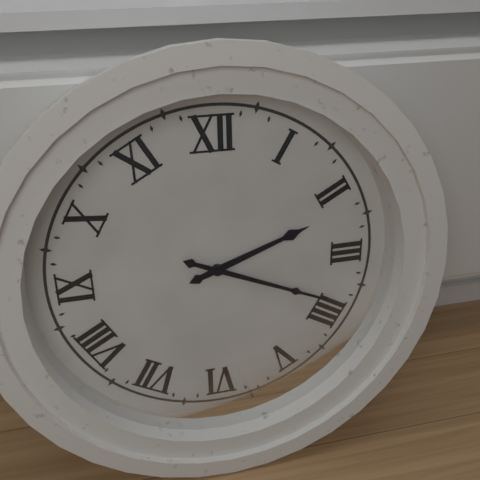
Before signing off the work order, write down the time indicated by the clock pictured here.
2:19
